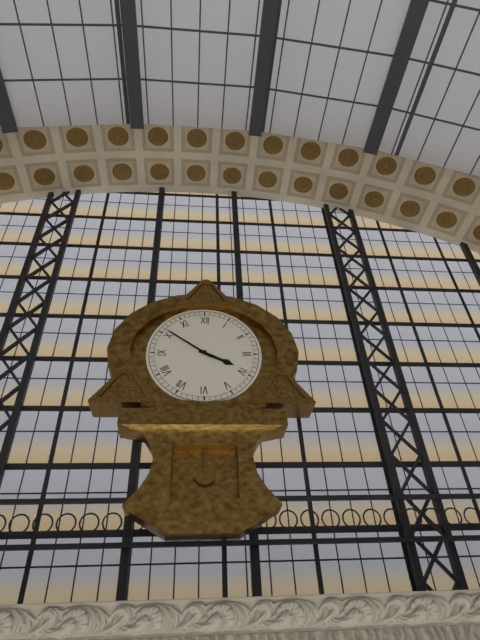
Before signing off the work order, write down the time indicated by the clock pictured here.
3:51
